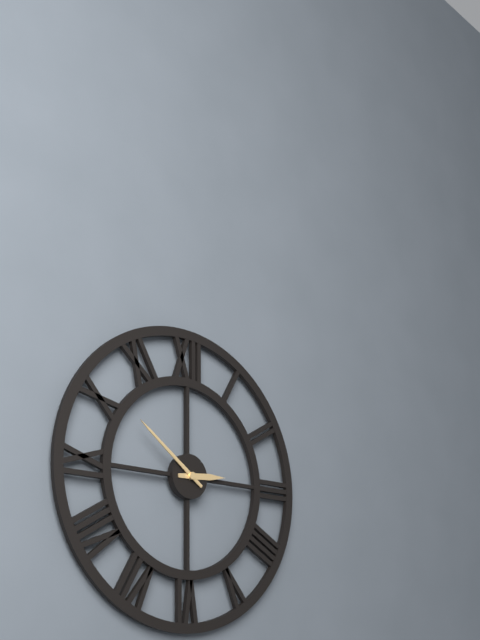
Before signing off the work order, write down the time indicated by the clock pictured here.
2:51
